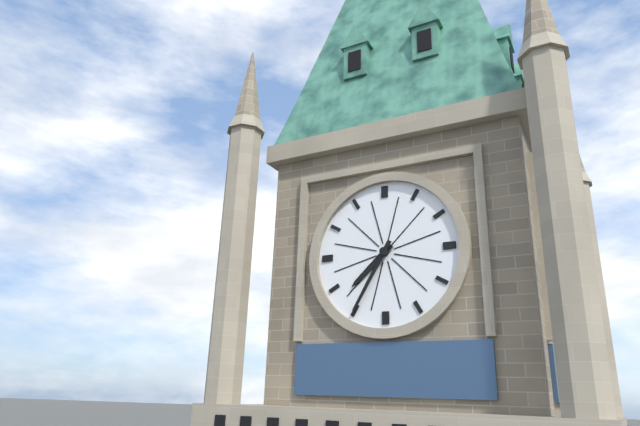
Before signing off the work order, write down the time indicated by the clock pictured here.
7:35
